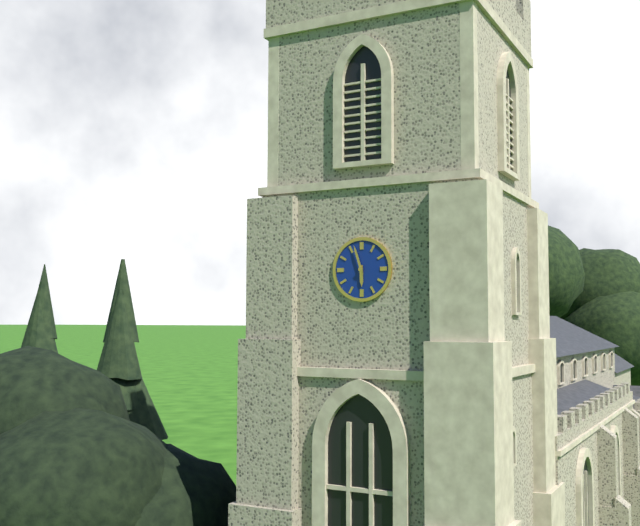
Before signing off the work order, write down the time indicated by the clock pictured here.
5:57
